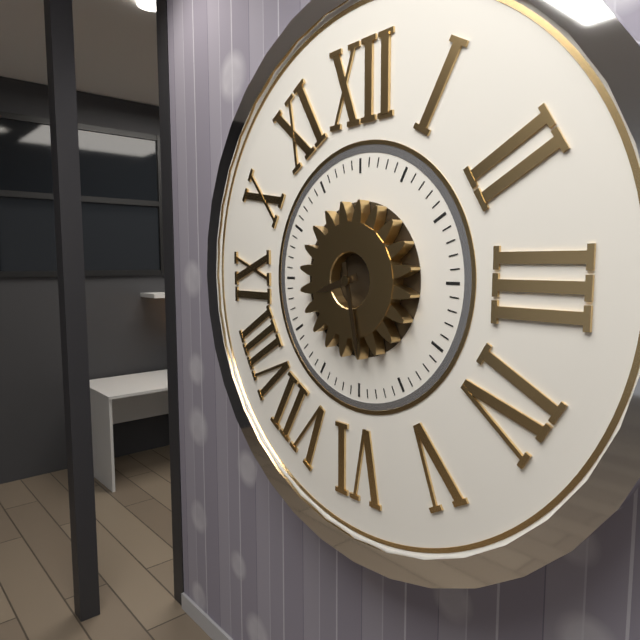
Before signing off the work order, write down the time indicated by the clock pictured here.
8:28
